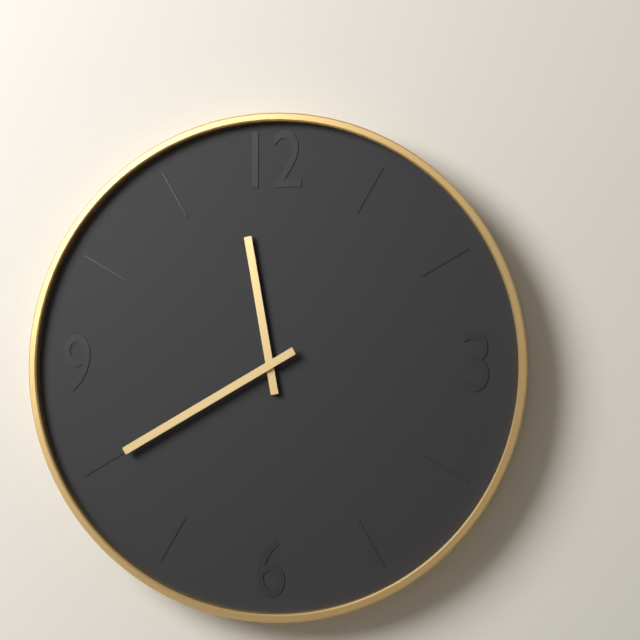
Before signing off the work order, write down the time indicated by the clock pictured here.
11:40
